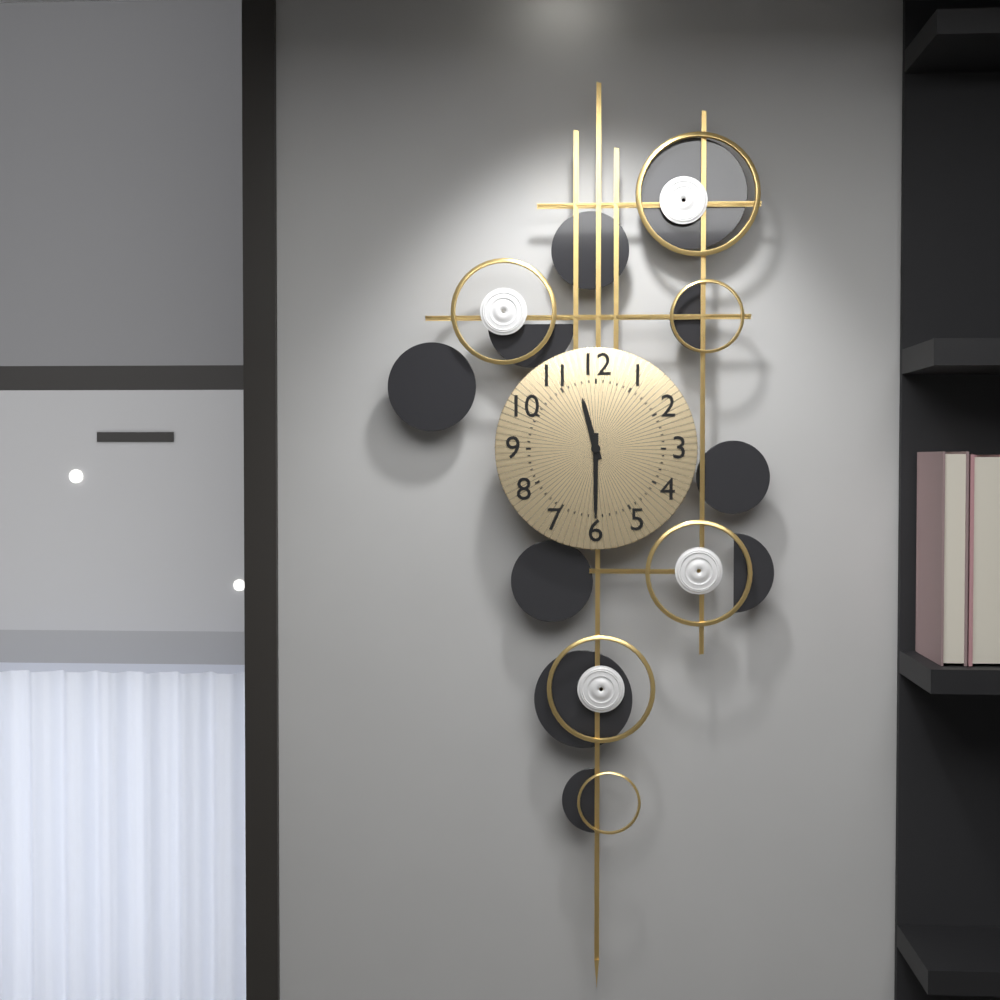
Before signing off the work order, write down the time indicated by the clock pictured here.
11:30
